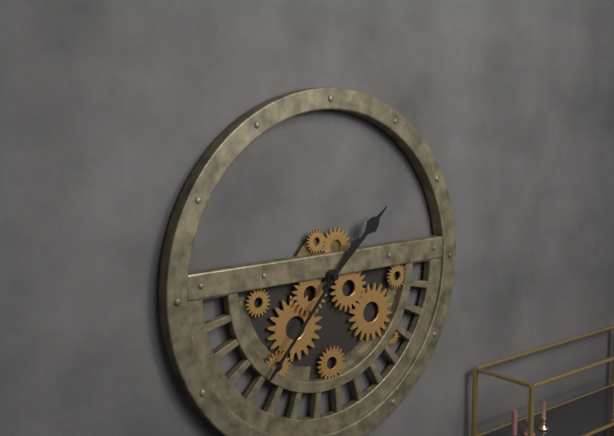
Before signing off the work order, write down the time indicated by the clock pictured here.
1:37
